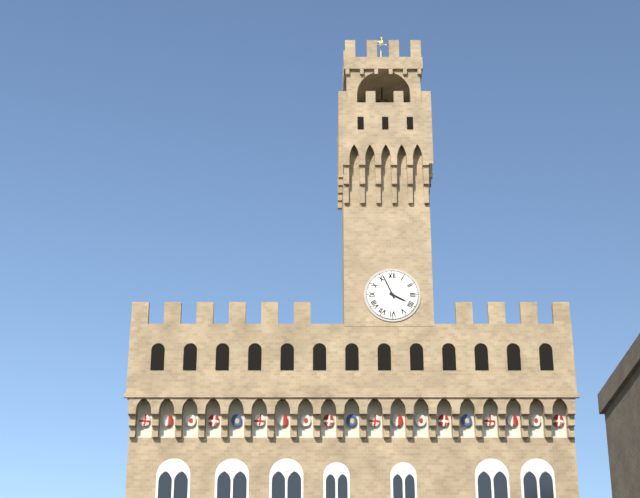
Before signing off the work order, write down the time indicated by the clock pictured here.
3:56
